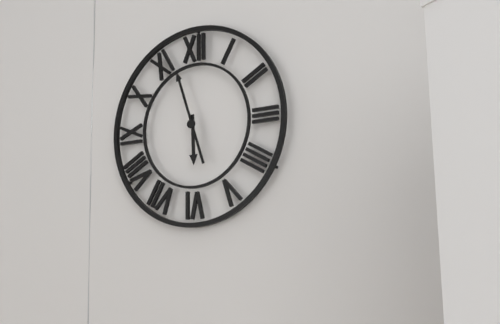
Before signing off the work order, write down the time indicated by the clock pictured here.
5:57
